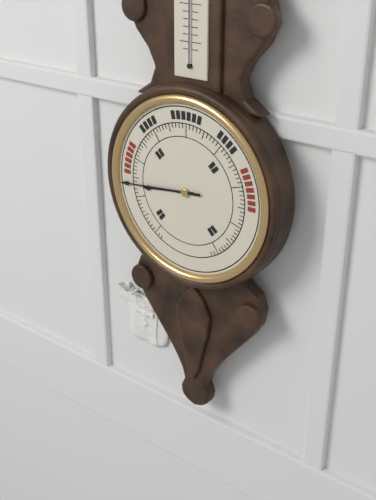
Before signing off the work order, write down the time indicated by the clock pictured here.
8:44
